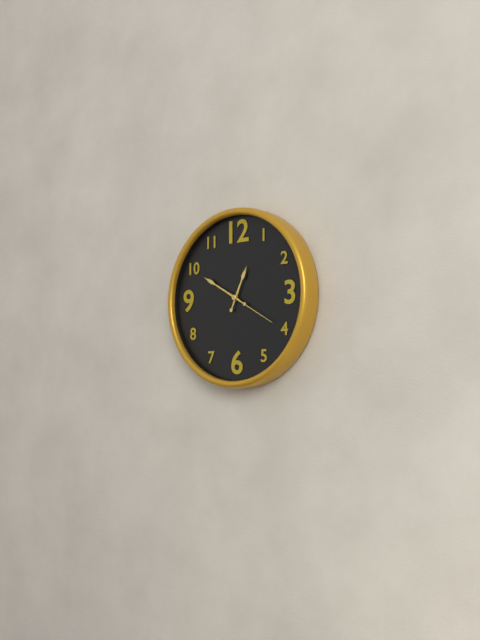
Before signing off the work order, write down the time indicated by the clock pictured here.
12:50:20
